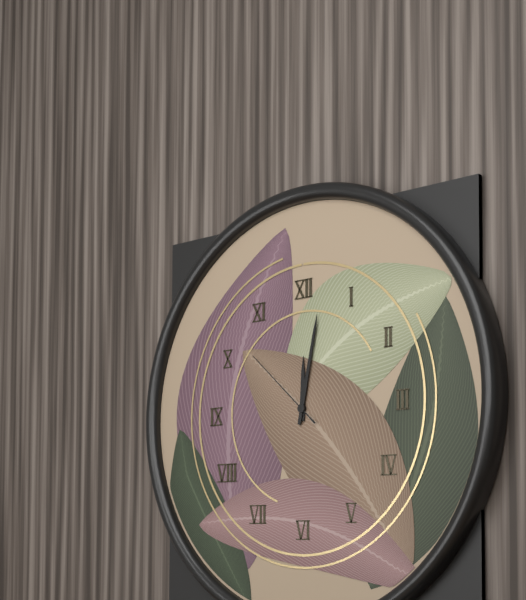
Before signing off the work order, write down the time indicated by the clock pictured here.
12:02:52
